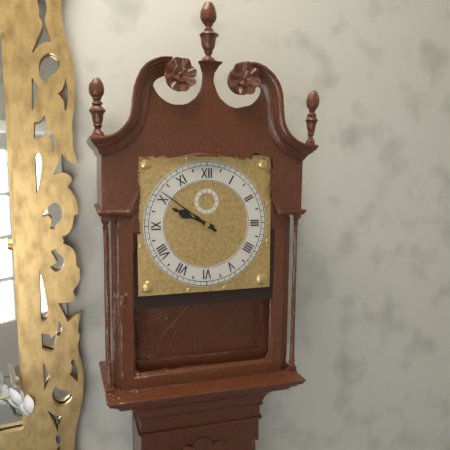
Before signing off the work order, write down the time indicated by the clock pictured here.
9:51
